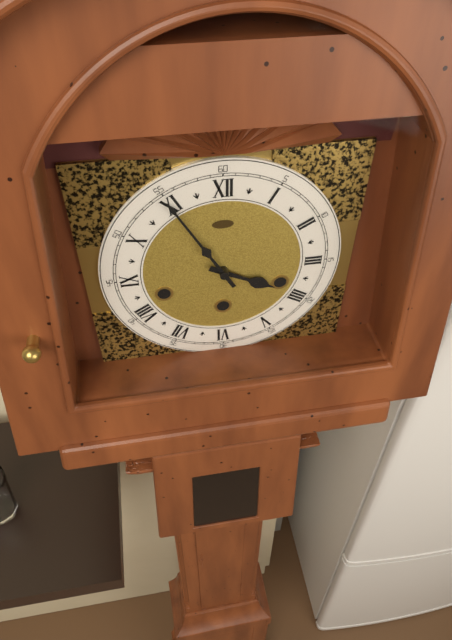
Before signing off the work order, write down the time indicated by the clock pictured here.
3:55
